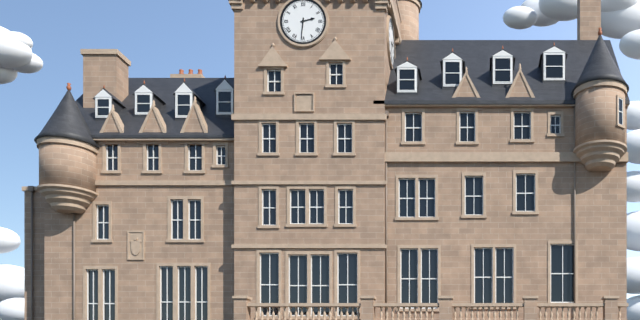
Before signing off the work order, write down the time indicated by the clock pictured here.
2:31
